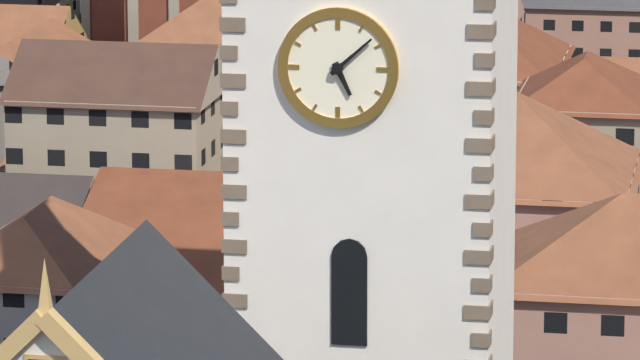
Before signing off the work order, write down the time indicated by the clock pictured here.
5:08
